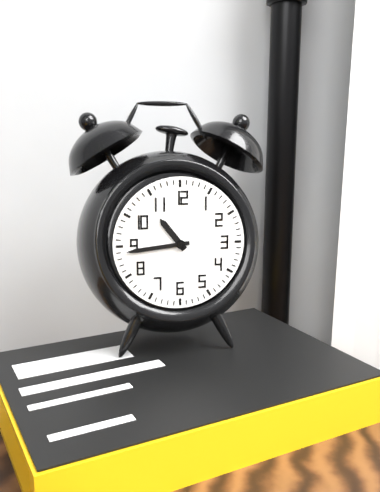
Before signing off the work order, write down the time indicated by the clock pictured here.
10:44
